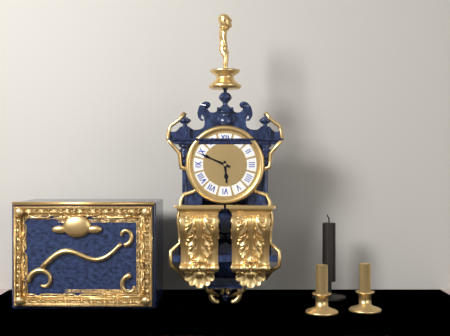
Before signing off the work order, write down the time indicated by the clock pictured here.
5:49
